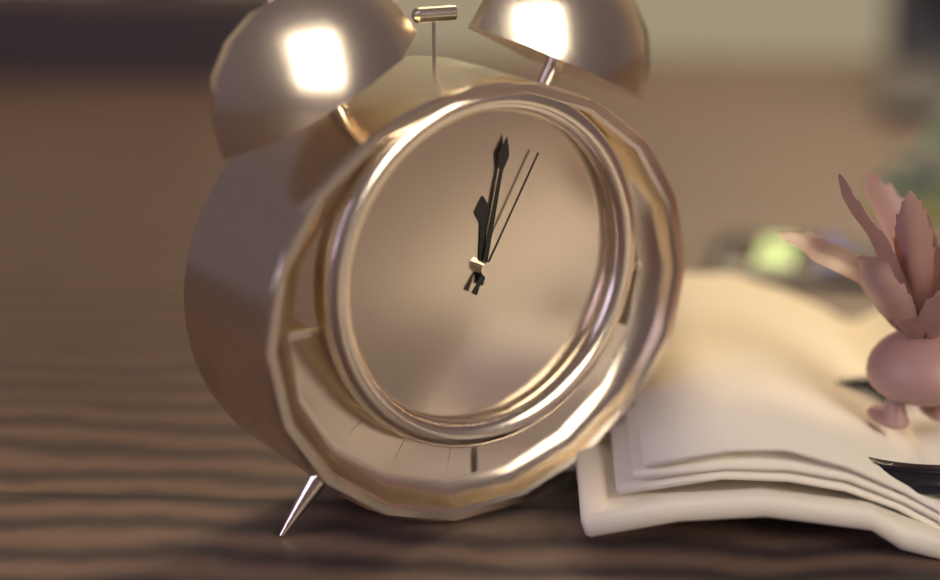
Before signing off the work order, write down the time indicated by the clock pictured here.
12:02:05
